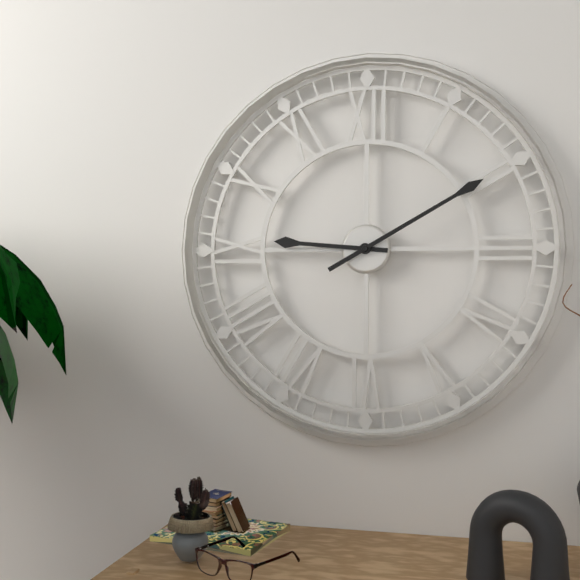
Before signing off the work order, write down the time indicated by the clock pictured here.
9:10
